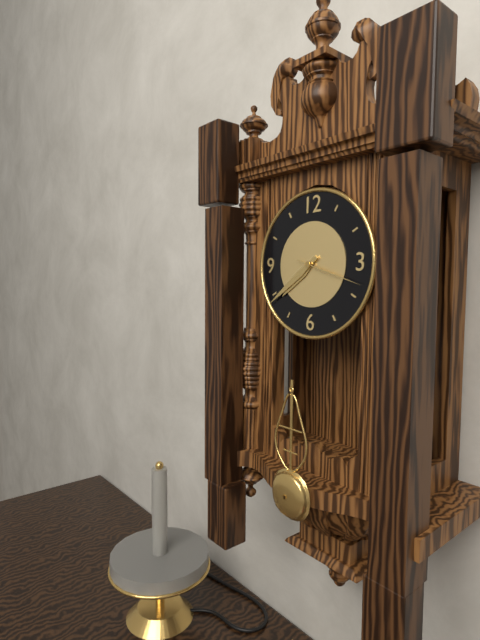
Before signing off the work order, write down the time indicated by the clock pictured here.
7:39:18
